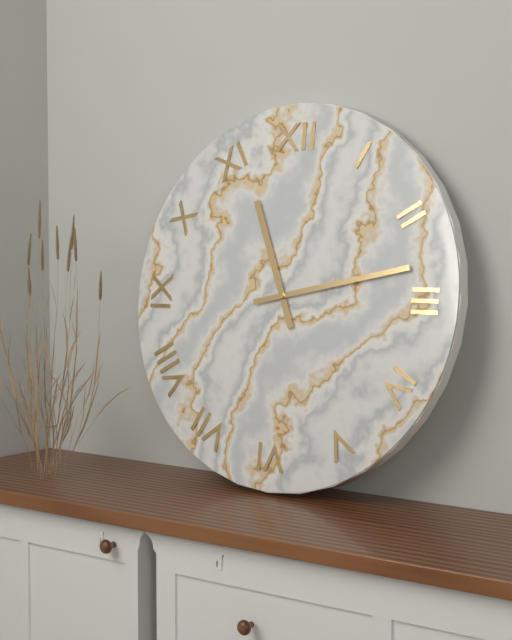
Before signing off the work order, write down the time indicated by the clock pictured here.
11:13
